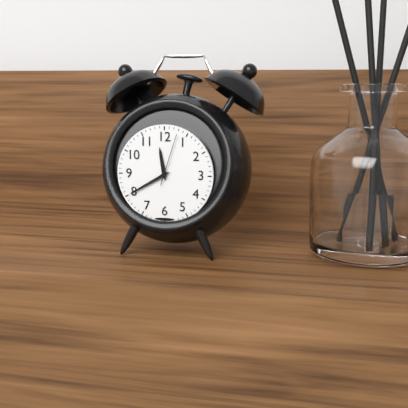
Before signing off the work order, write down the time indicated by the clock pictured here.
11:40:03
